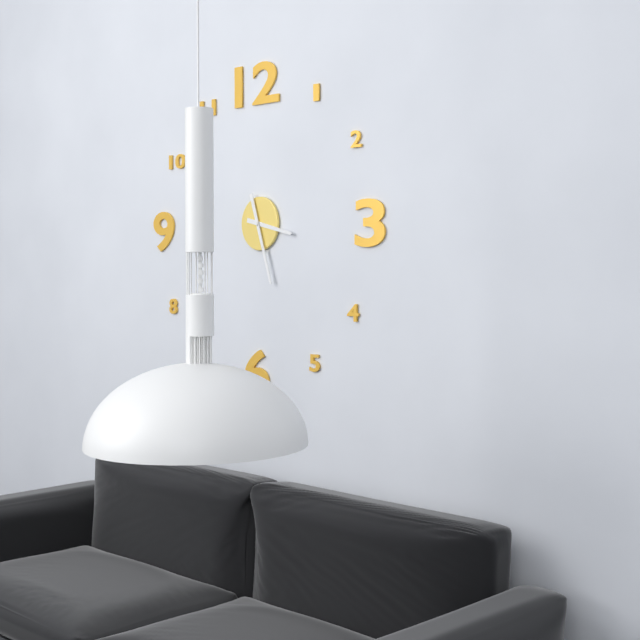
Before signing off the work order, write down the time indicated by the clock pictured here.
3:27
